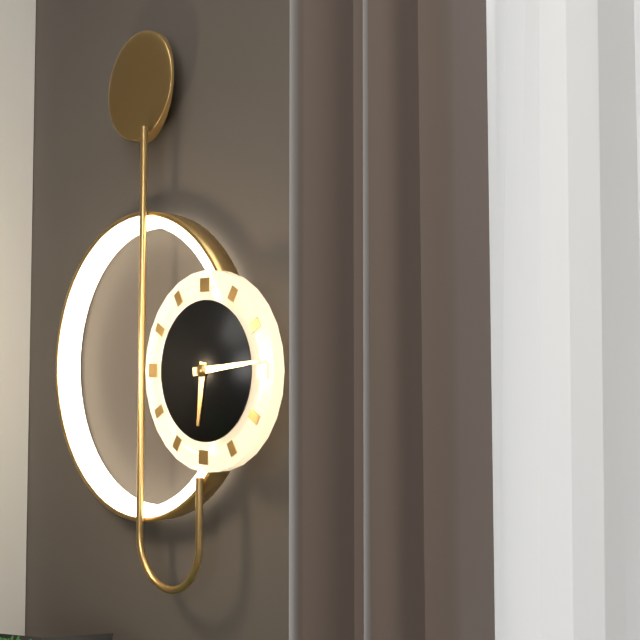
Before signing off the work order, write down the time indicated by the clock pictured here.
6:14
